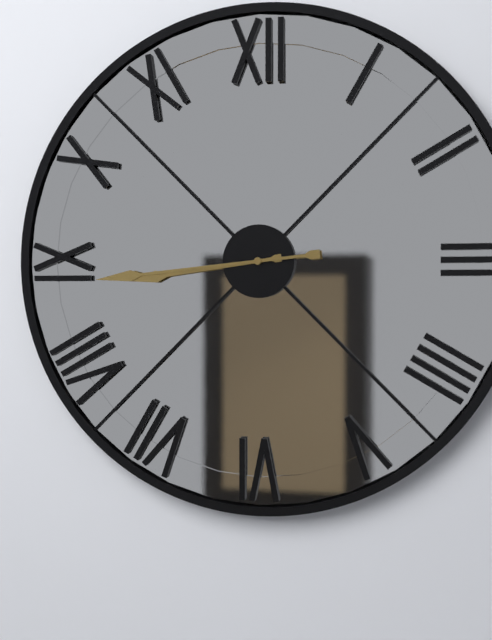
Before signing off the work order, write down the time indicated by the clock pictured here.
8:44
